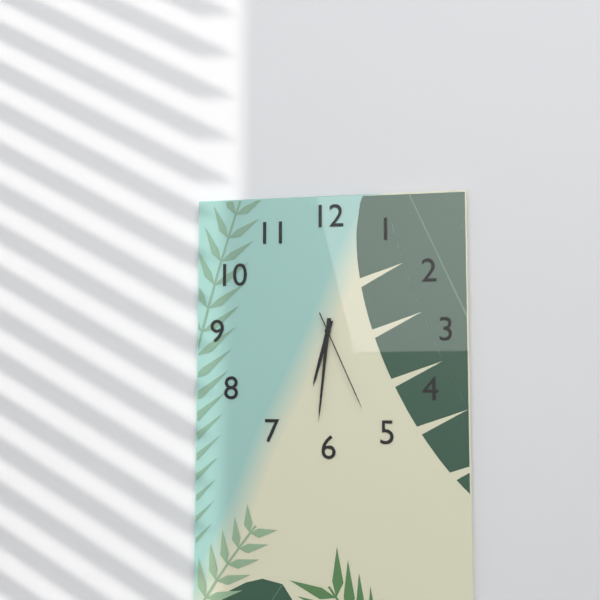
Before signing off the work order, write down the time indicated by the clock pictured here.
6:31:26
